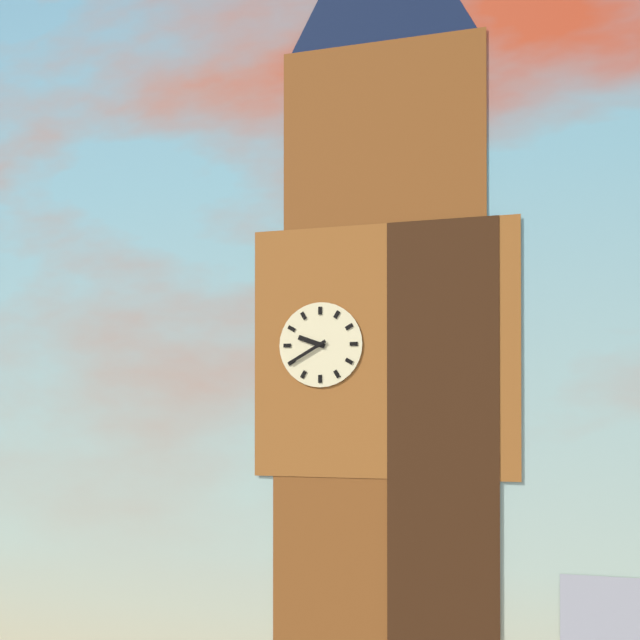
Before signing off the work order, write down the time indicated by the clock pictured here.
9:40
